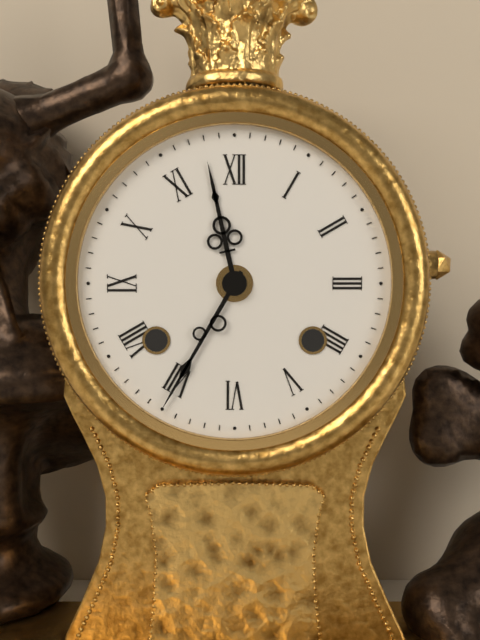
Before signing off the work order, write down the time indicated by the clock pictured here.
11:35
